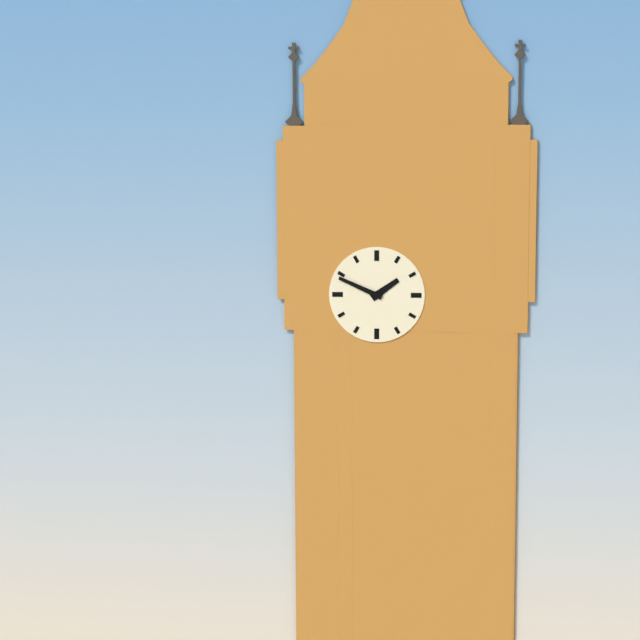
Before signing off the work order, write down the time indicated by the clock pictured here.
1:49
